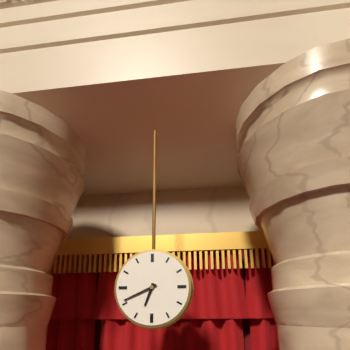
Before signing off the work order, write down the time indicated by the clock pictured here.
6:41
